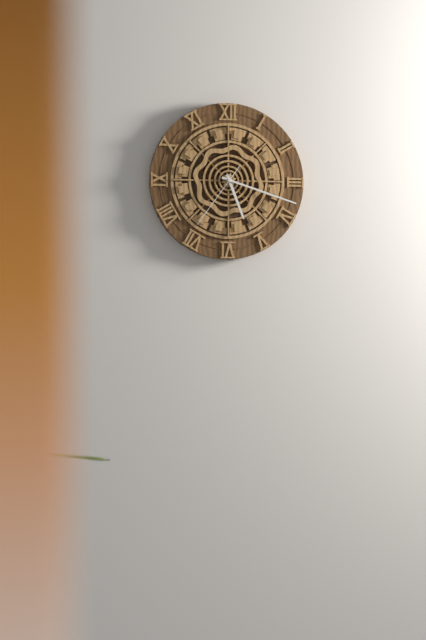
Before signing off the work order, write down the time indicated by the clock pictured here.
5:18:36
